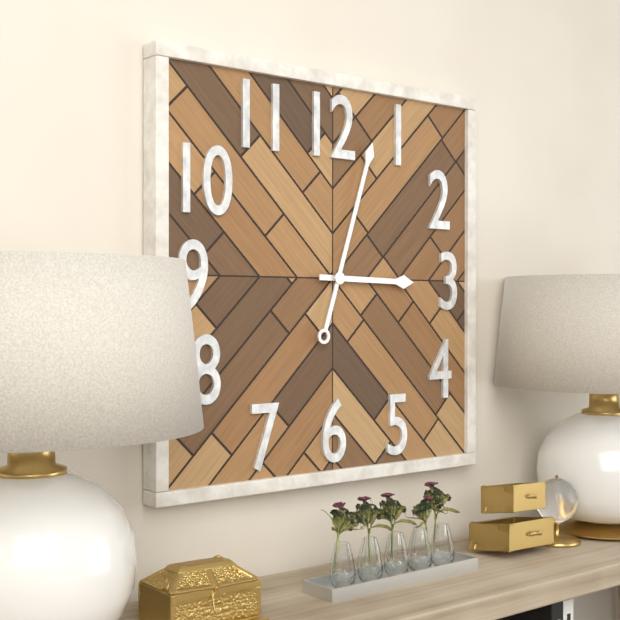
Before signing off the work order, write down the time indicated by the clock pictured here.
3:03
